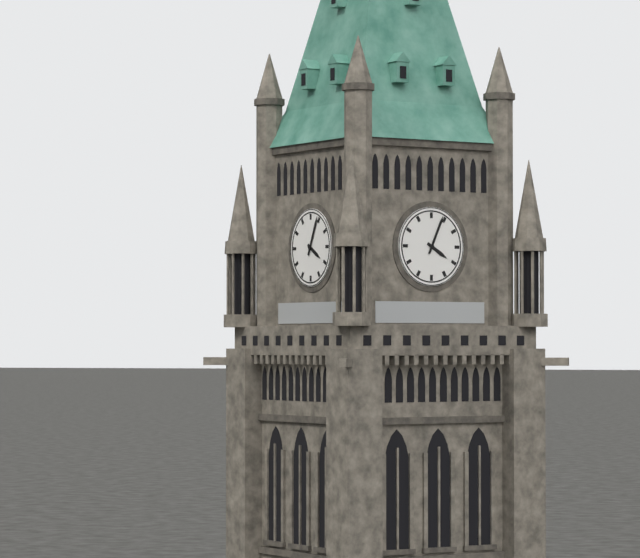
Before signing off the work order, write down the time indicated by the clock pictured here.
4:04
